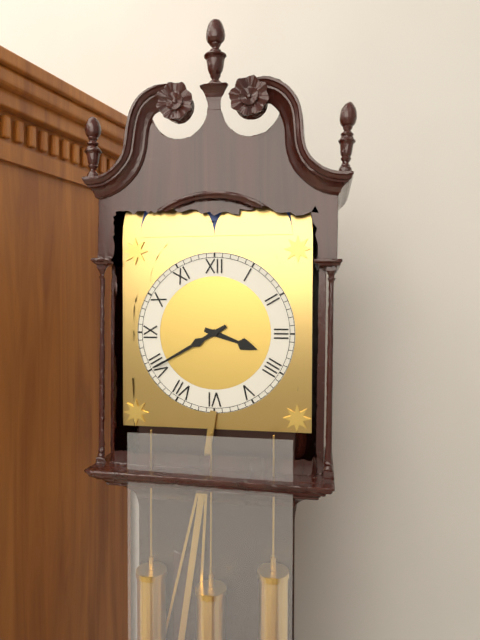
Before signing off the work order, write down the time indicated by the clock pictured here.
3:40
